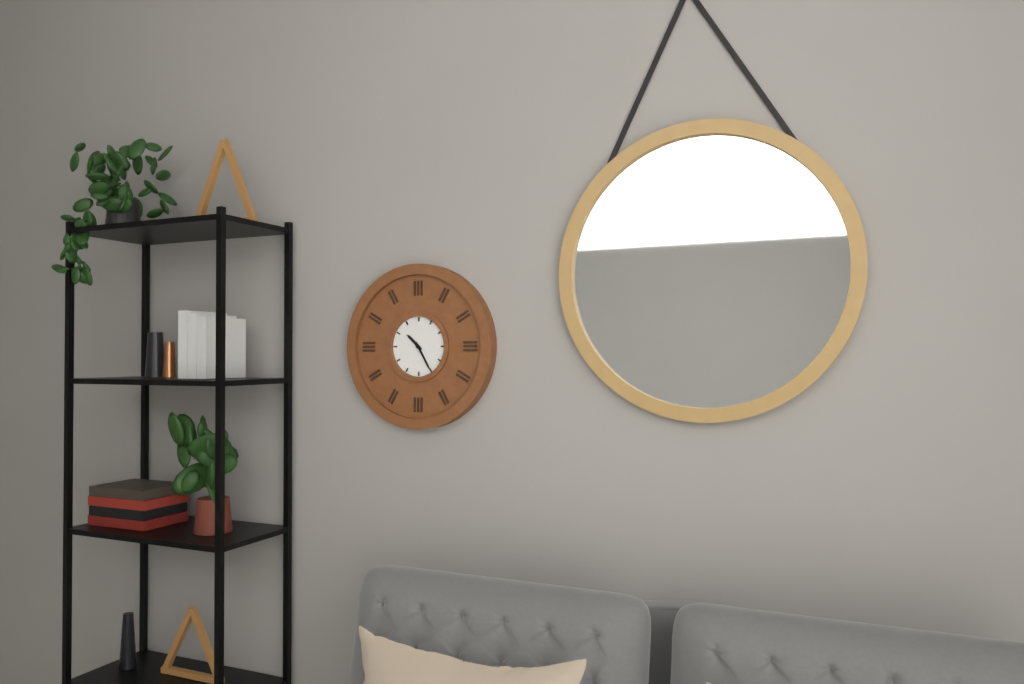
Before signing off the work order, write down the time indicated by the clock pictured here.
10:25
